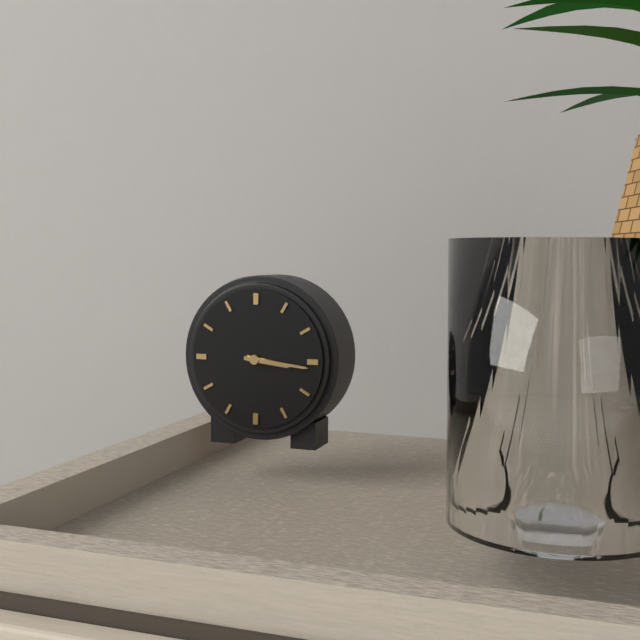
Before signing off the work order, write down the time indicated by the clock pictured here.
3:16
